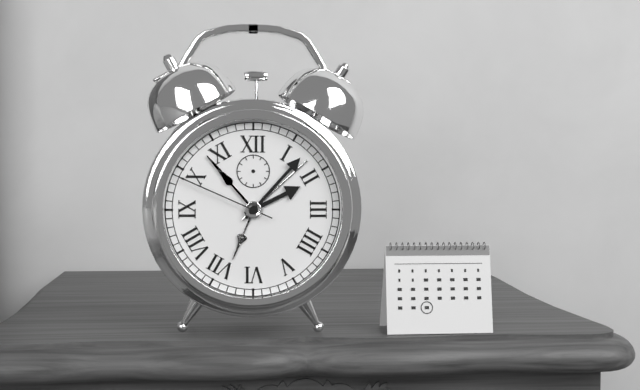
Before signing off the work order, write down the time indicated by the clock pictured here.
2:07:49
